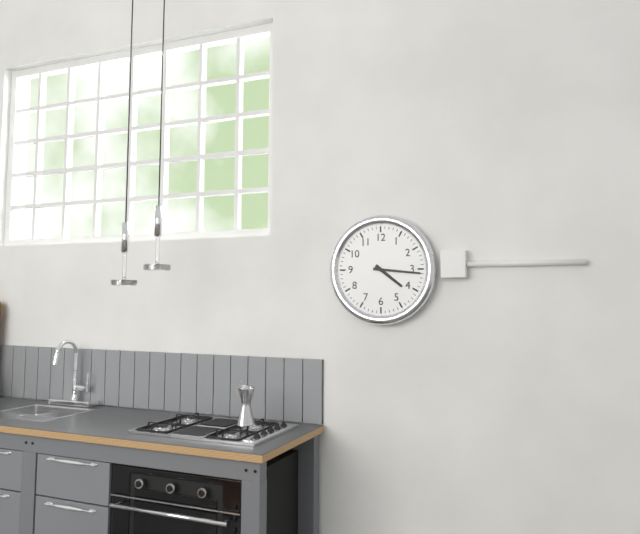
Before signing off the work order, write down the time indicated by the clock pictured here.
4:16
